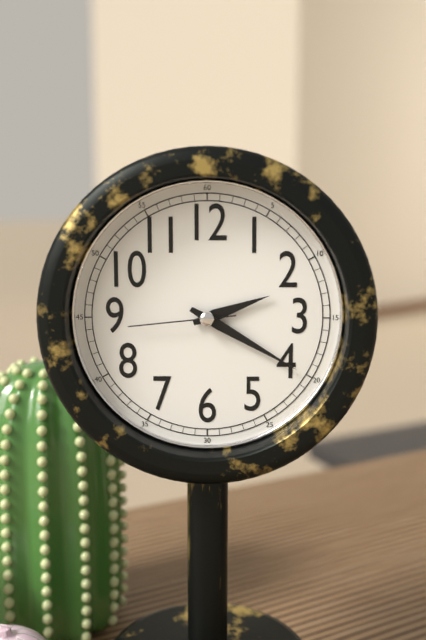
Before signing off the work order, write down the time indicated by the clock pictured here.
2:20:44
